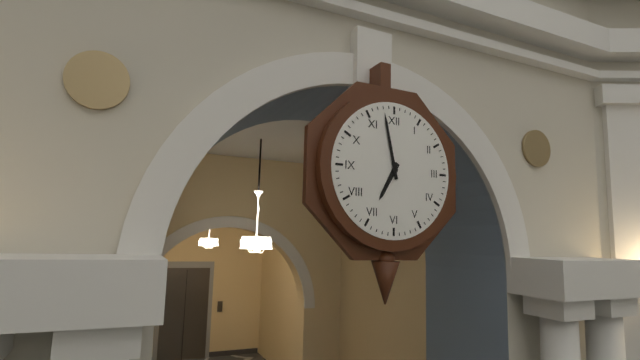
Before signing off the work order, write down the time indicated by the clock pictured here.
6:58
